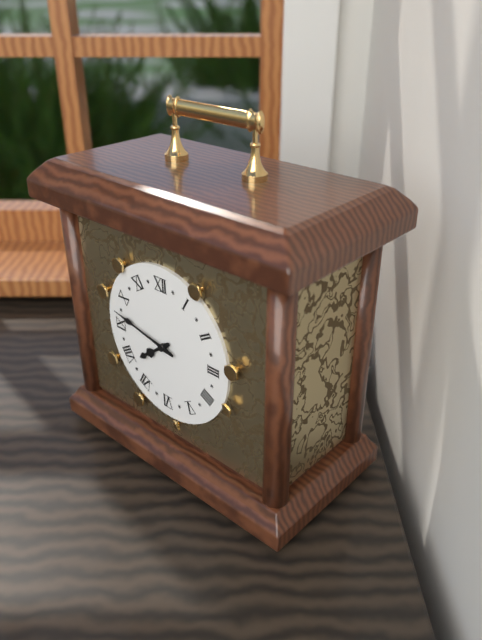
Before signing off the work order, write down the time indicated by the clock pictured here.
7:47
